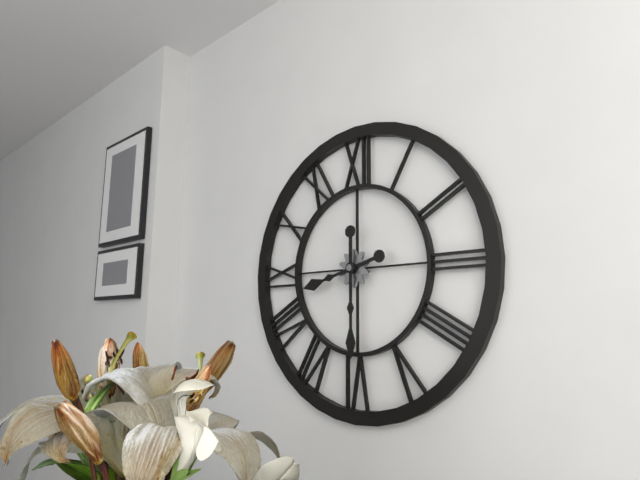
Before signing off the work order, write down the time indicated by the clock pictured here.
8:30
